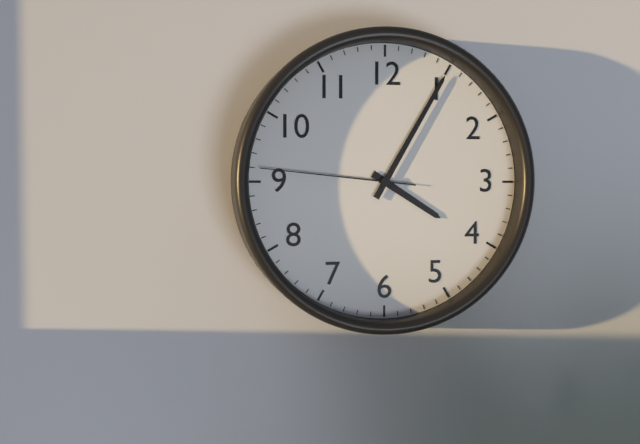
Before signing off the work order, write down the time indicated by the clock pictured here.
4:05:46
